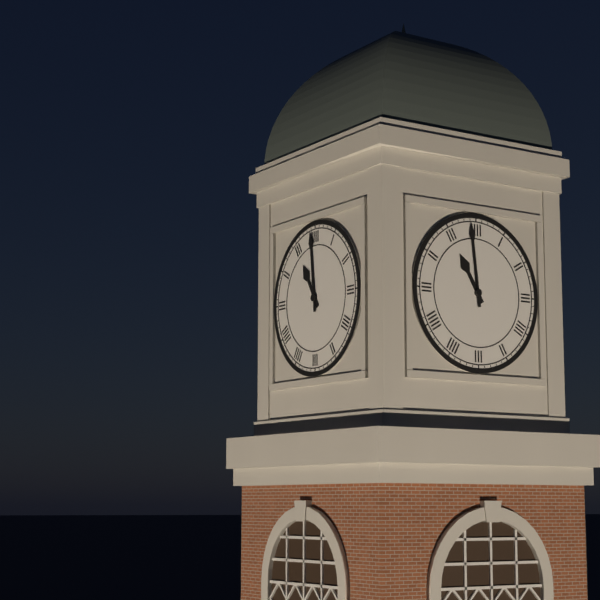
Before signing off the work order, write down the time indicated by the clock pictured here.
10:59
